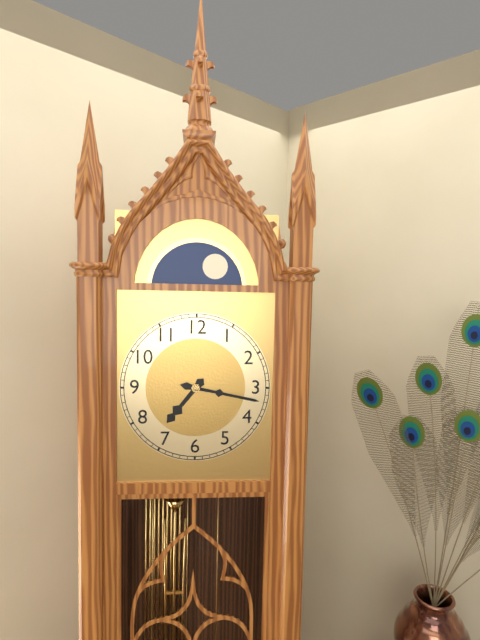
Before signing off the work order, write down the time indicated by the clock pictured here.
7:17
